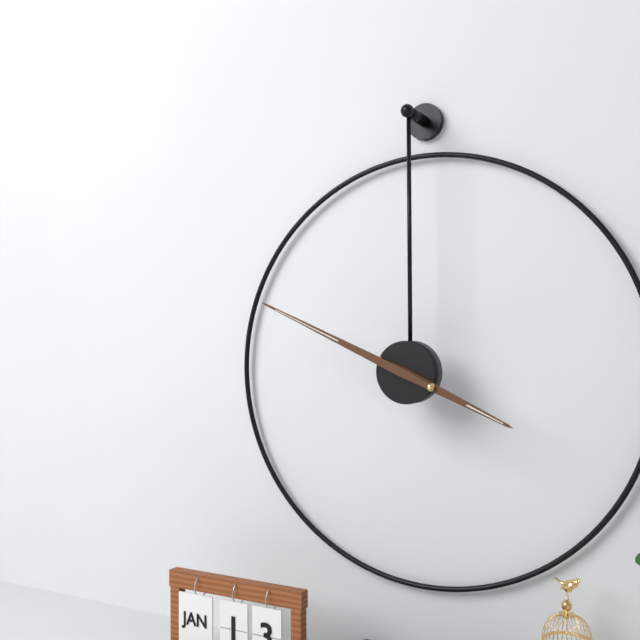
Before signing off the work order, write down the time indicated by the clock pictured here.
3:49
